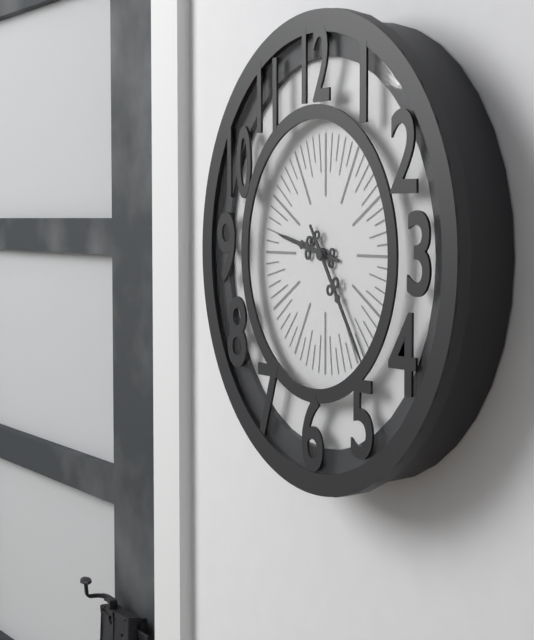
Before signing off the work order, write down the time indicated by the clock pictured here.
9:24
